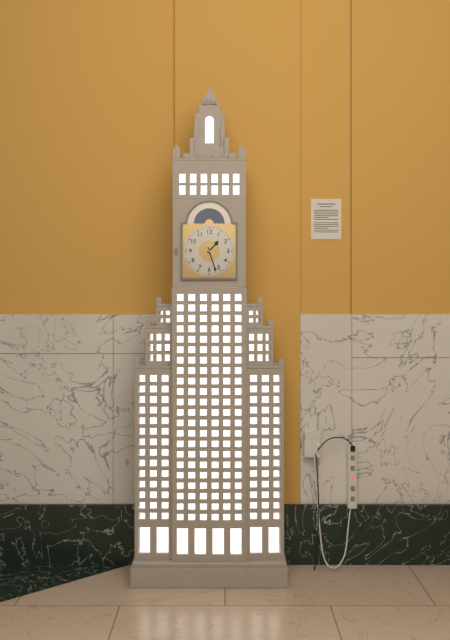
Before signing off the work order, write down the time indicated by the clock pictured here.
1:27
